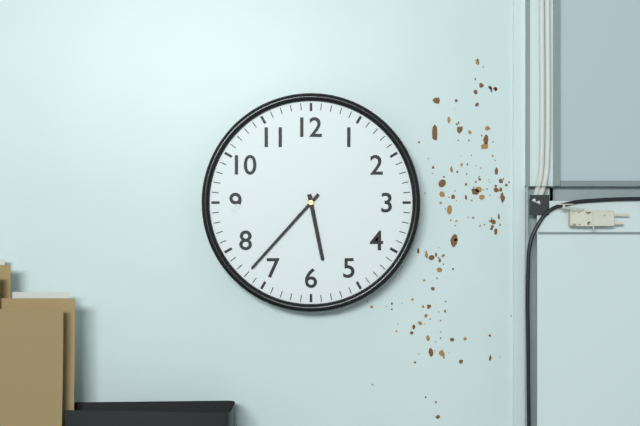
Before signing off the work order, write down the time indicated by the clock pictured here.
5:37
